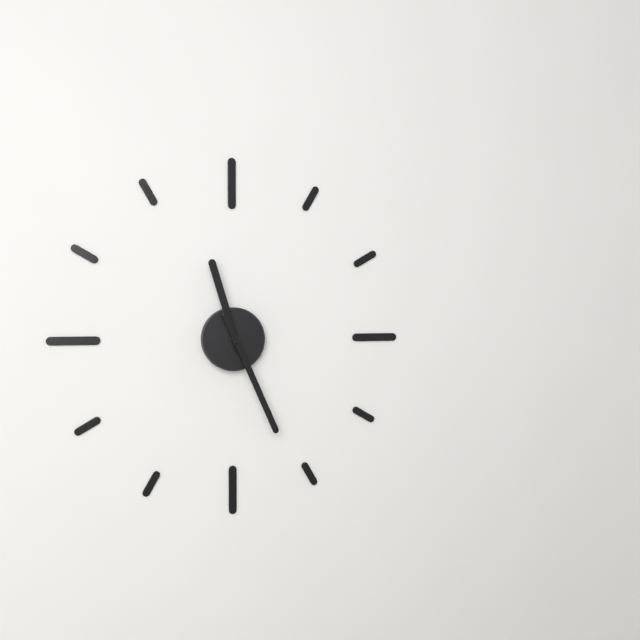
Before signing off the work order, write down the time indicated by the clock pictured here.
11:26
